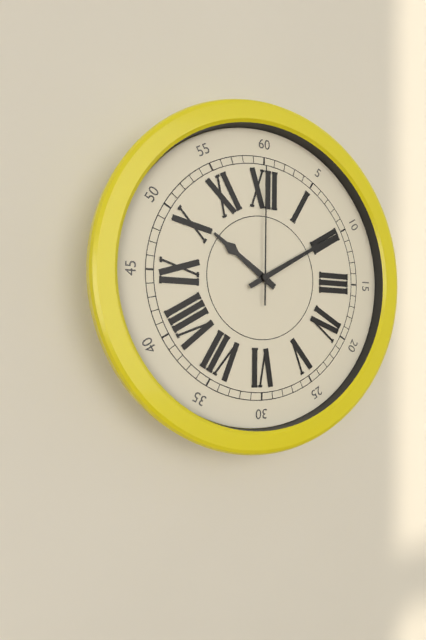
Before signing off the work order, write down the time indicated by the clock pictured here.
10:10:00
